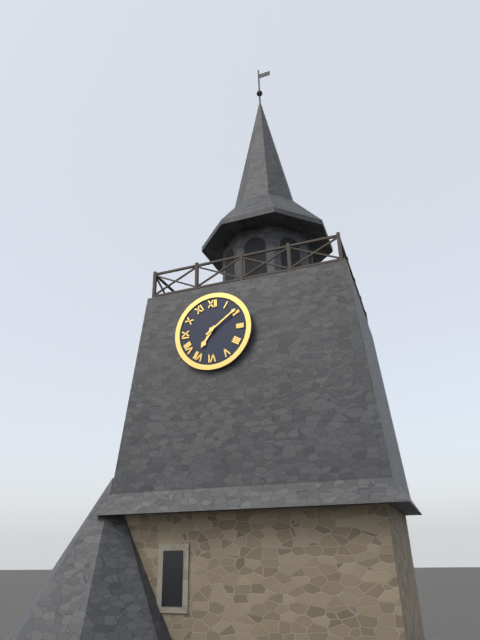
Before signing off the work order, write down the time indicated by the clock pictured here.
7:09
